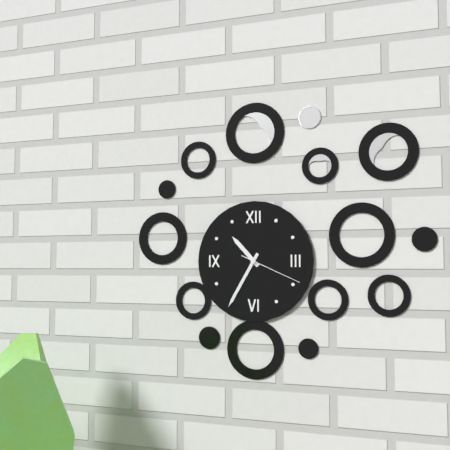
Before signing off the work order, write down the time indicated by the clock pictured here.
10:35:19
